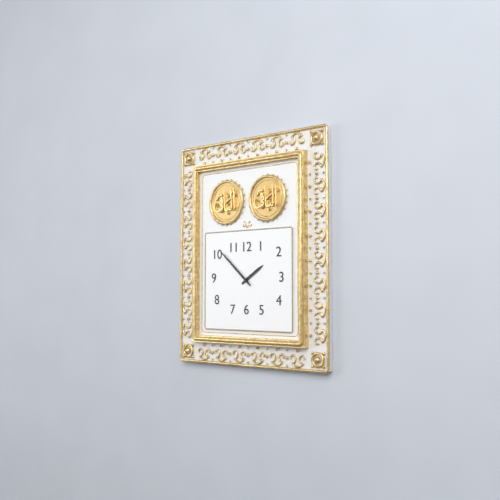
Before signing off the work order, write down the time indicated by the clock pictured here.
1:52
